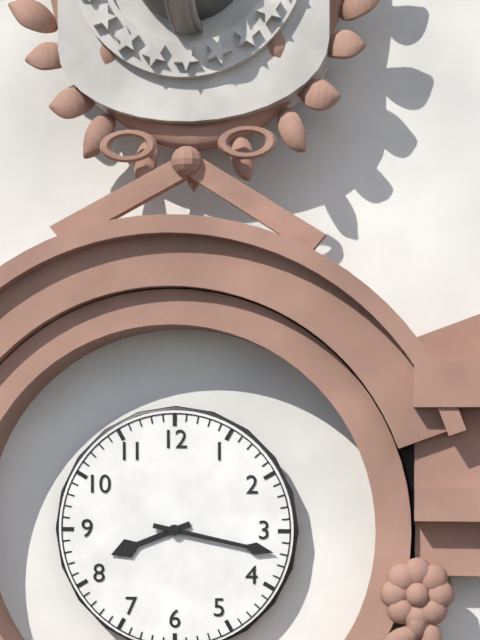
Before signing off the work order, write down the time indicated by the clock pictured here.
8:17
